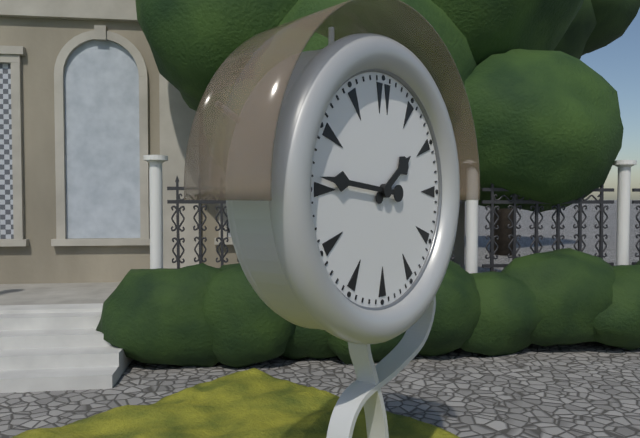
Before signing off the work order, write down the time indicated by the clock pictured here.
1:46
